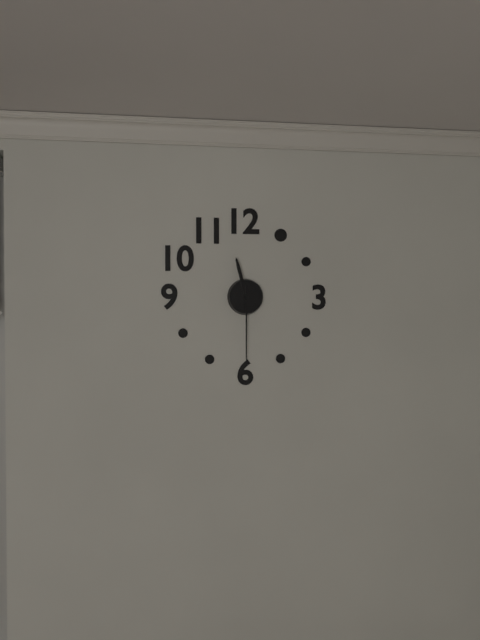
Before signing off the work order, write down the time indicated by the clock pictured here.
11:30
